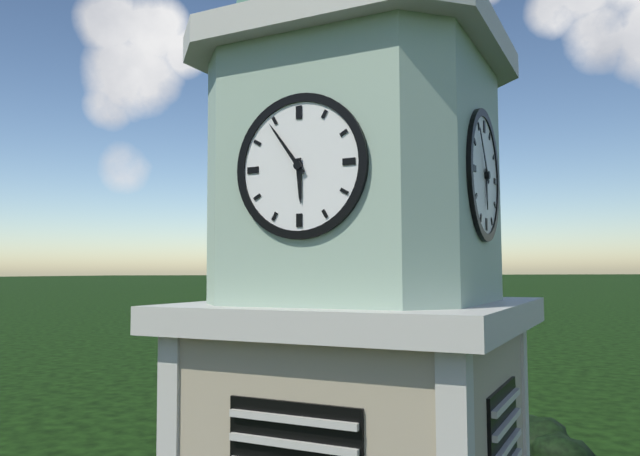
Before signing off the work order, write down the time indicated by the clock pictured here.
5:54
